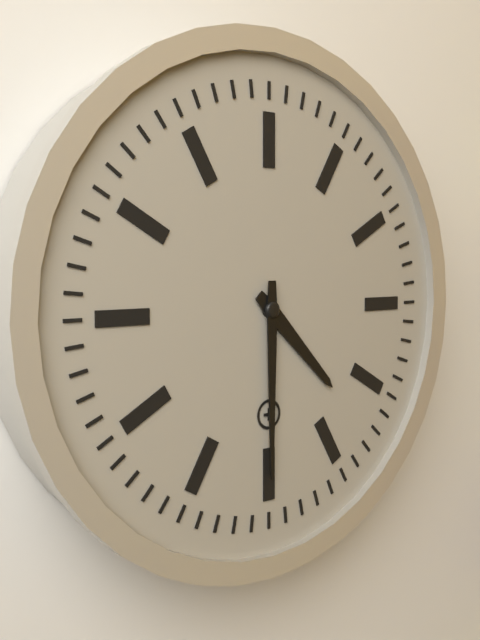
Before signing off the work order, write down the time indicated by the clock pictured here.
4:30
